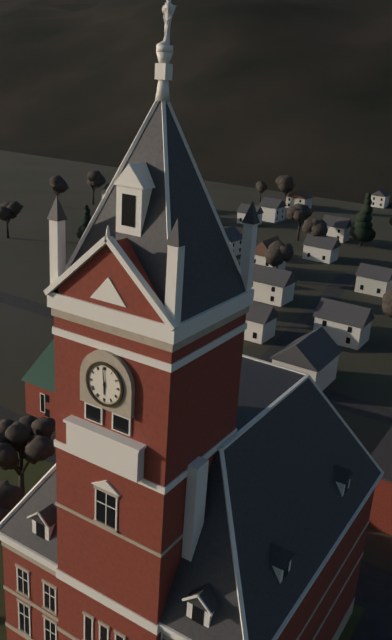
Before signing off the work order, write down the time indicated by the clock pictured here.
5:59
